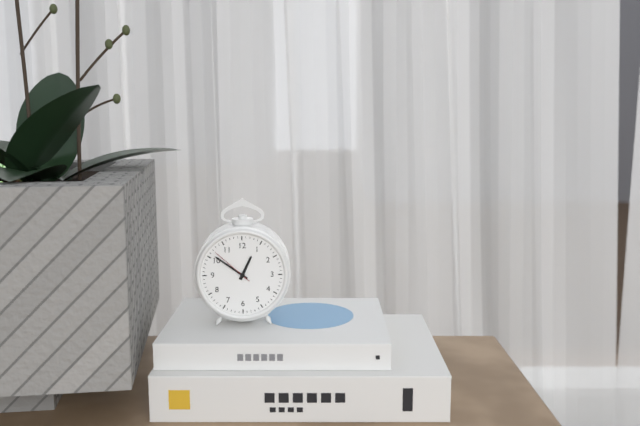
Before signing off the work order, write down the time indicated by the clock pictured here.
12:51
